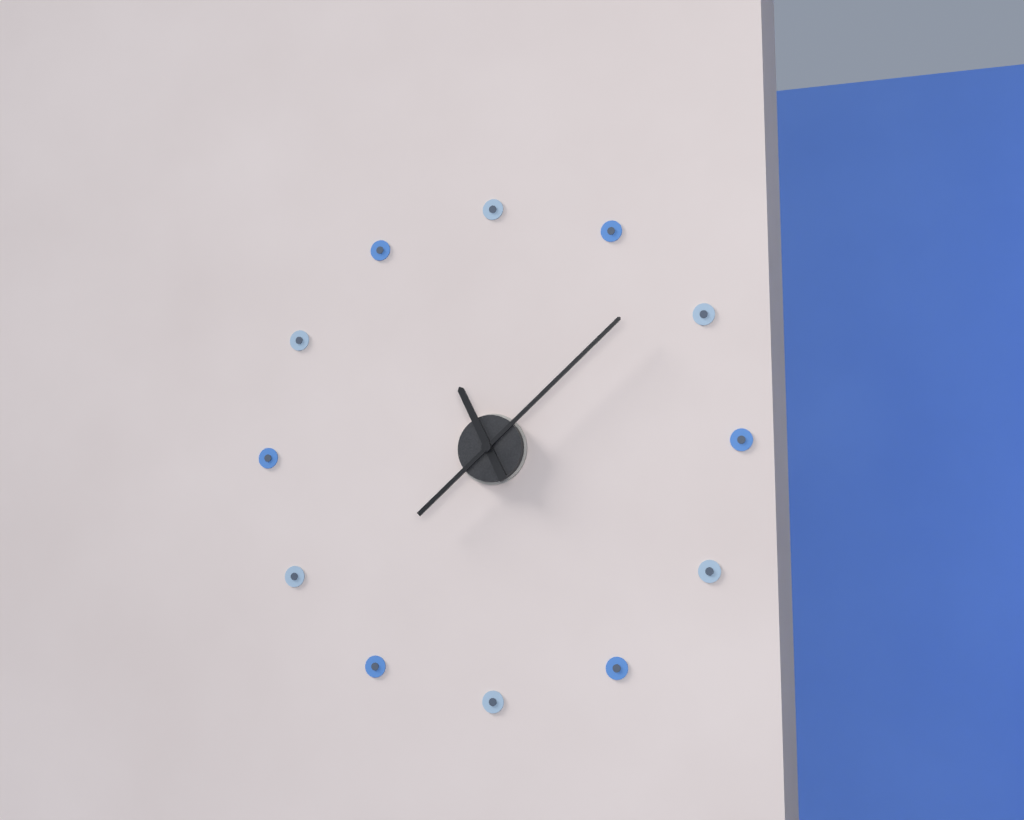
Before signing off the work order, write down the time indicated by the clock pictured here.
11:08
